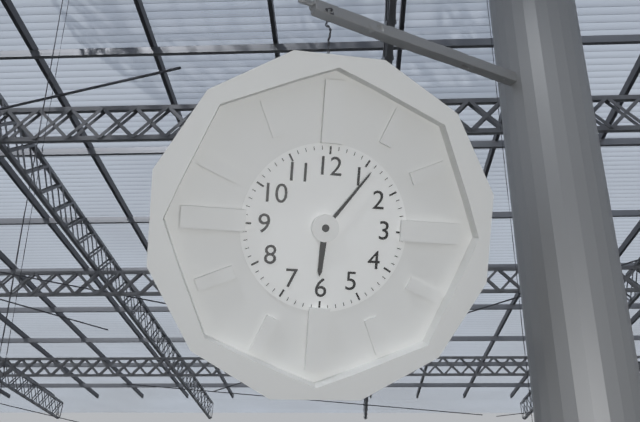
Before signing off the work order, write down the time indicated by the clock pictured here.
6:06
